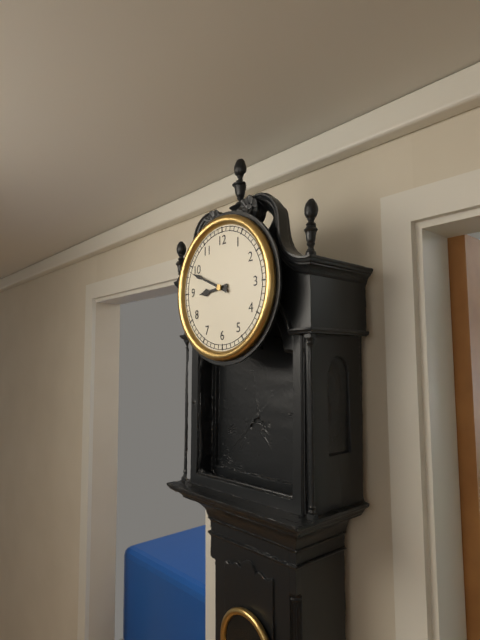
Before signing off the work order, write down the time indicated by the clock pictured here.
8:49
